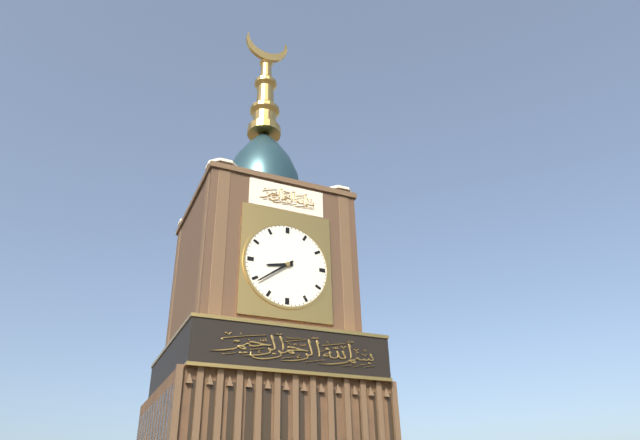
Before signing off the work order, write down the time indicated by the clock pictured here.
8:39
